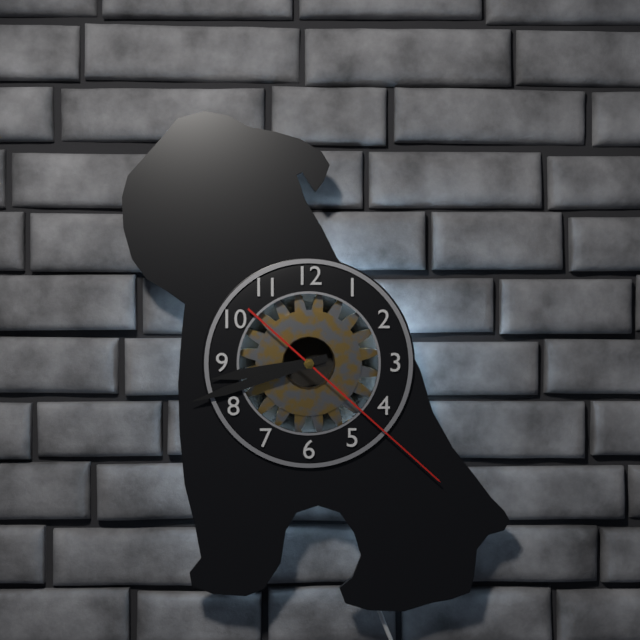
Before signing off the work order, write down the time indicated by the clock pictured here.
8:42:22
